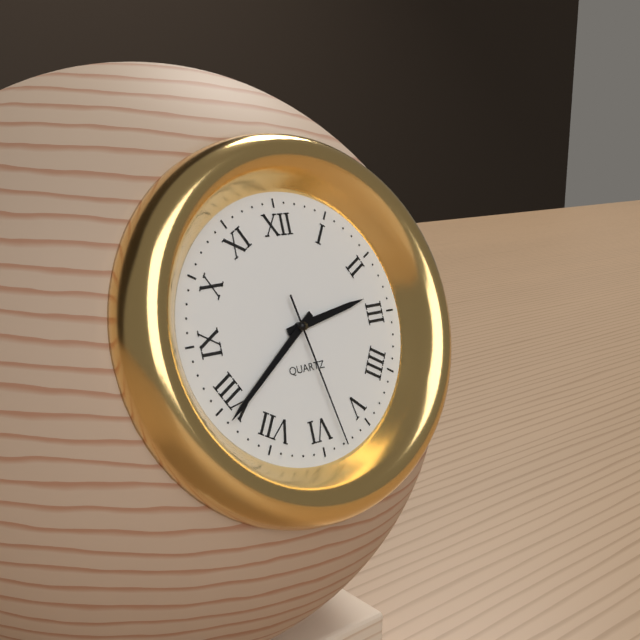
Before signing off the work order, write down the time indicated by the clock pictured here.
2:39:28
